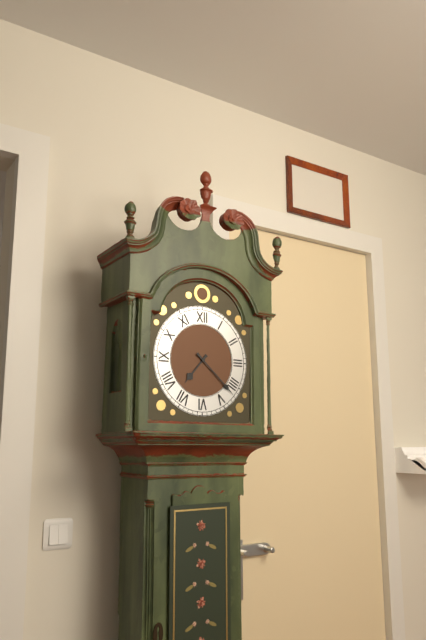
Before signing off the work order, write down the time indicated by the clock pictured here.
7:22
